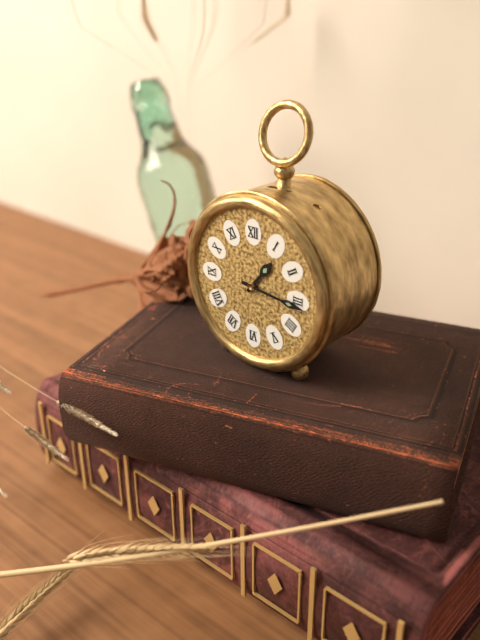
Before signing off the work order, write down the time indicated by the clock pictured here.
1:16
